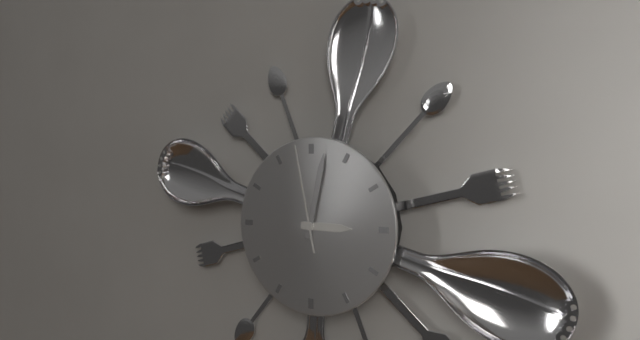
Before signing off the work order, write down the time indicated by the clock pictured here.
3:02:58
